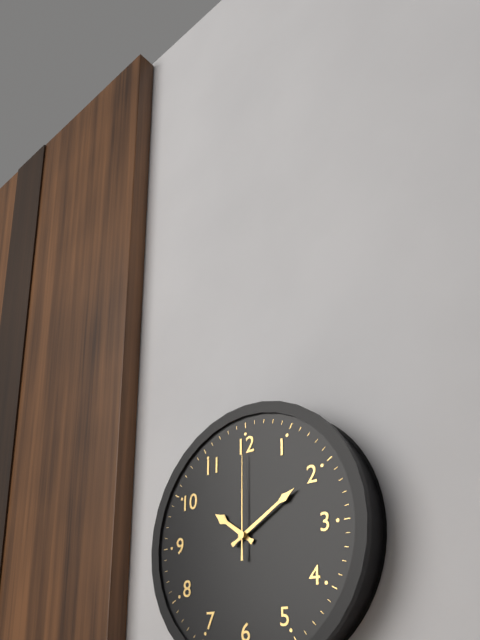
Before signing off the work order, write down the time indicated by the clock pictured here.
10:10:00
